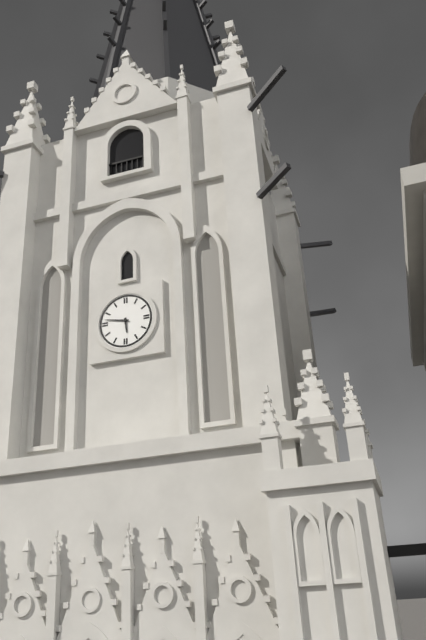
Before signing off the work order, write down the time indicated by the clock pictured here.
5:47
